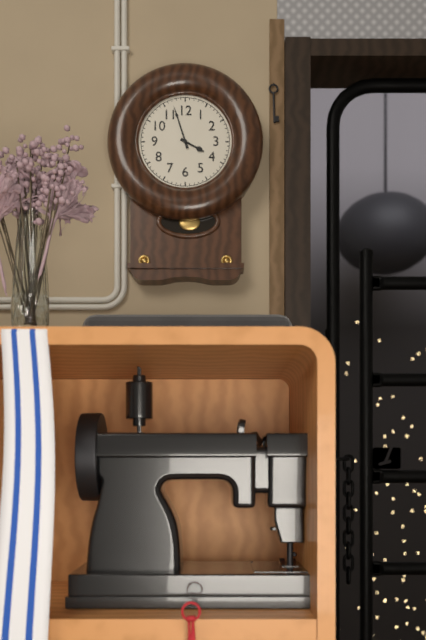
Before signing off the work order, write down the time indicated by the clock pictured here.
3:57
